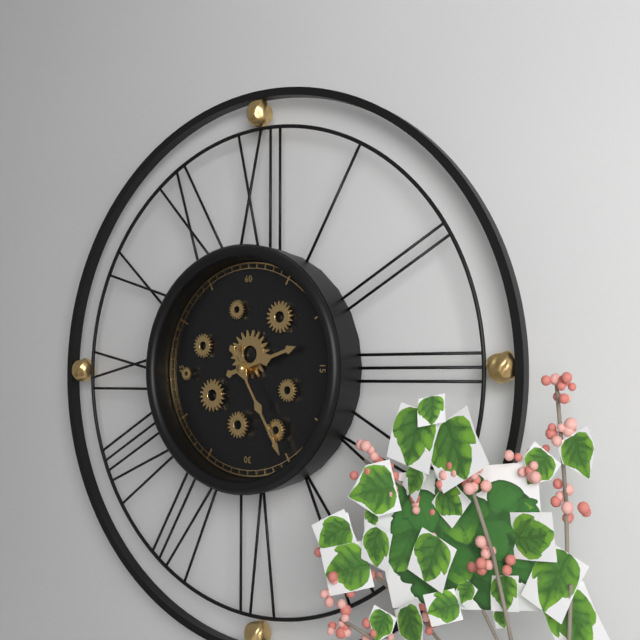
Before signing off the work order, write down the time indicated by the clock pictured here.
2:25
